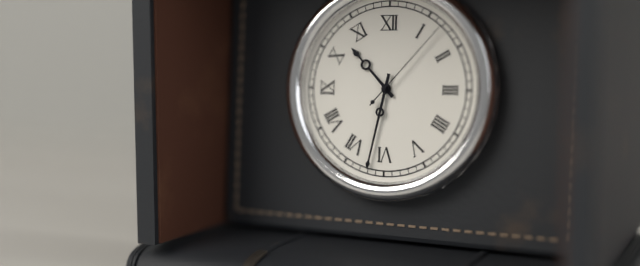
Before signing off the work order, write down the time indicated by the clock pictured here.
10:32:07
